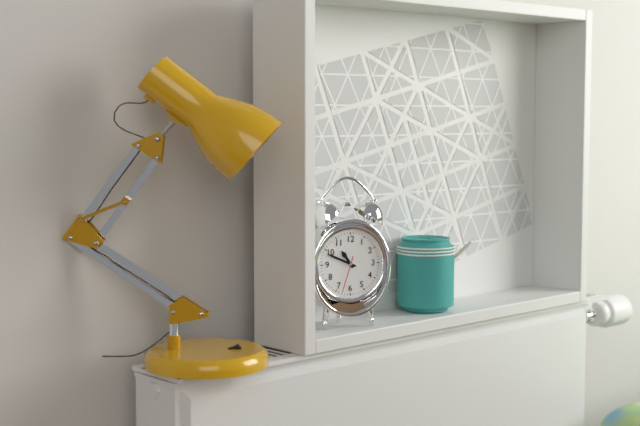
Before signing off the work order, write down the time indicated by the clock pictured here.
10:49
